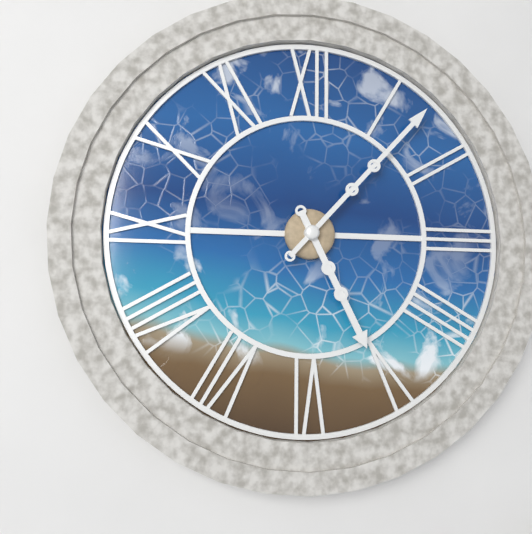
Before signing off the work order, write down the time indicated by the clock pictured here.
5:07
